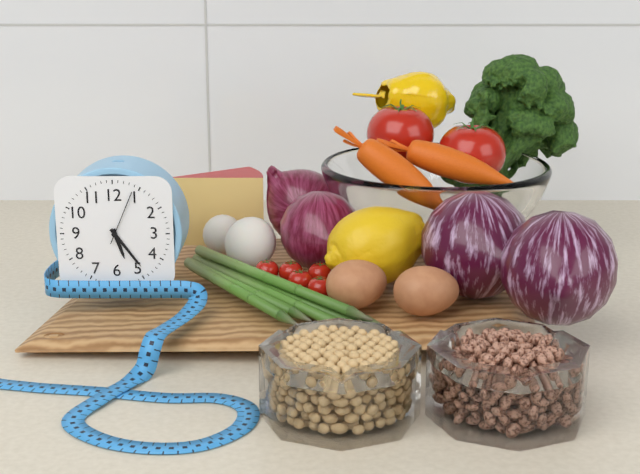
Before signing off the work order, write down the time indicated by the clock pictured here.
5:24:04
